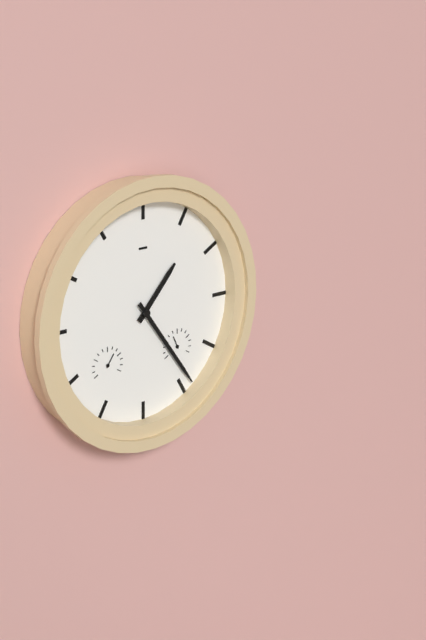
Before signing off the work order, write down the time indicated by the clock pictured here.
1:24
